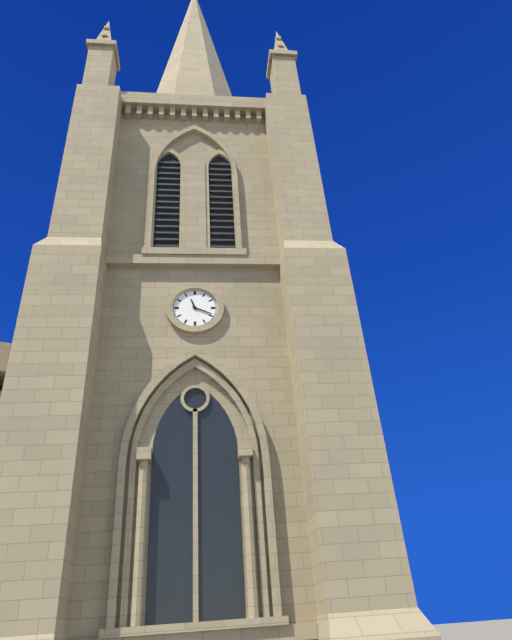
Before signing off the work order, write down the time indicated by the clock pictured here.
11:19
